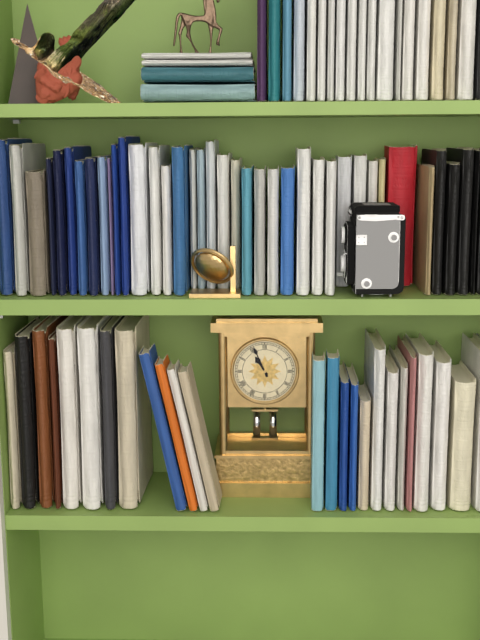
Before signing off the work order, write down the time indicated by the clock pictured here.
10:56
